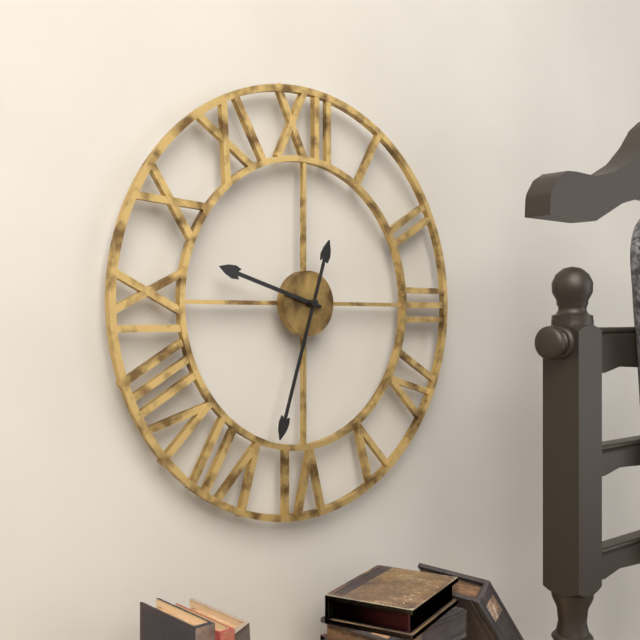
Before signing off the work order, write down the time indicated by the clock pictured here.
9:33
